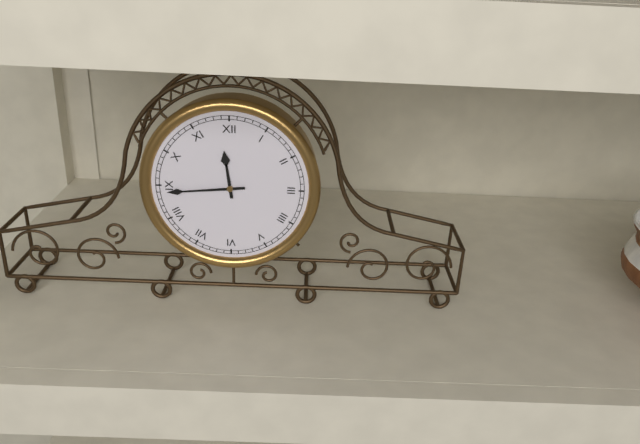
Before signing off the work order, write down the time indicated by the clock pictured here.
11:44
